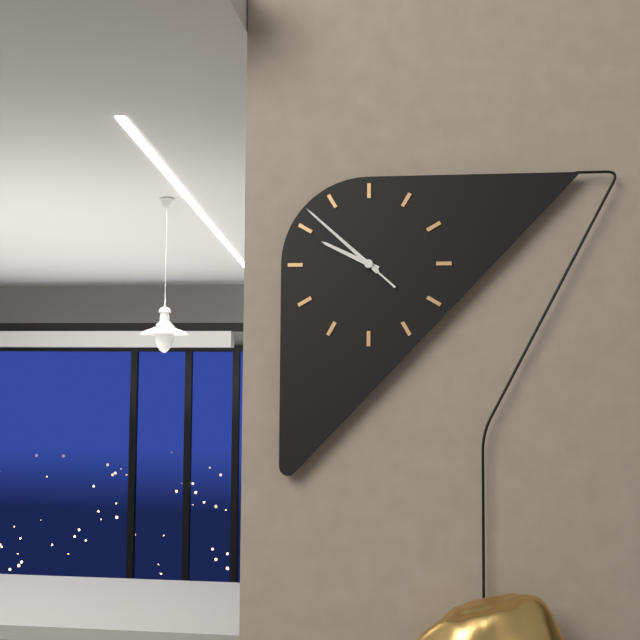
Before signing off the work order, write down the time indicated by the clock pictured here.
9:52:52
